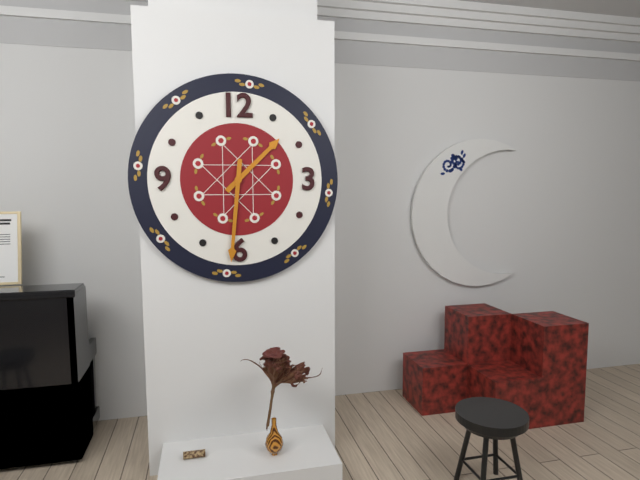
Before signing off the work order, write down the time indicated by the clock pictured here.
1:31
